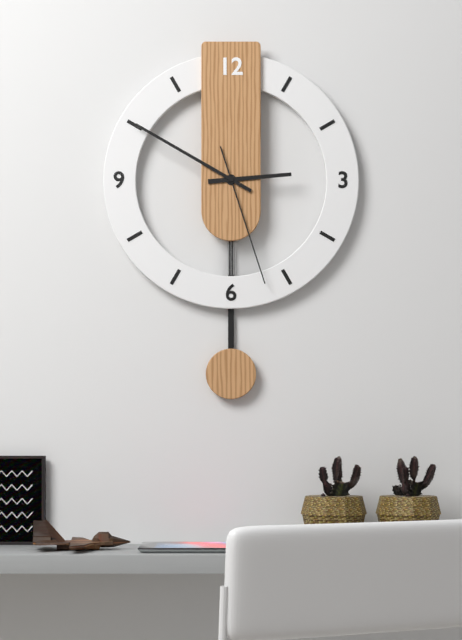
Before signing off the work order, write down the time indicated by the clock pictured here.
2:50:27
